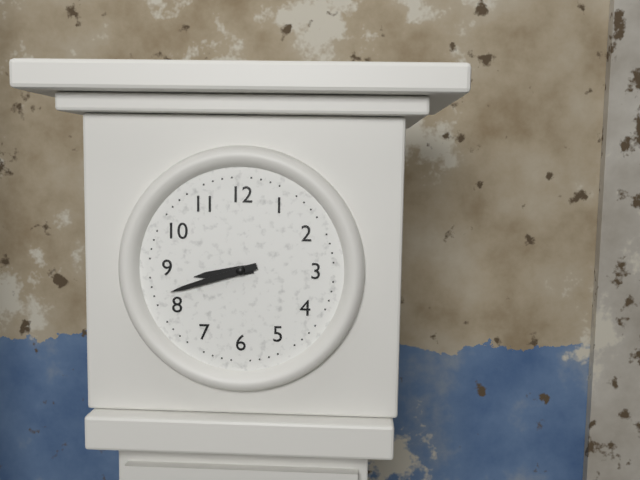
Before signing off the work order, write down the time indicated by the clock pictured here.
8:42
